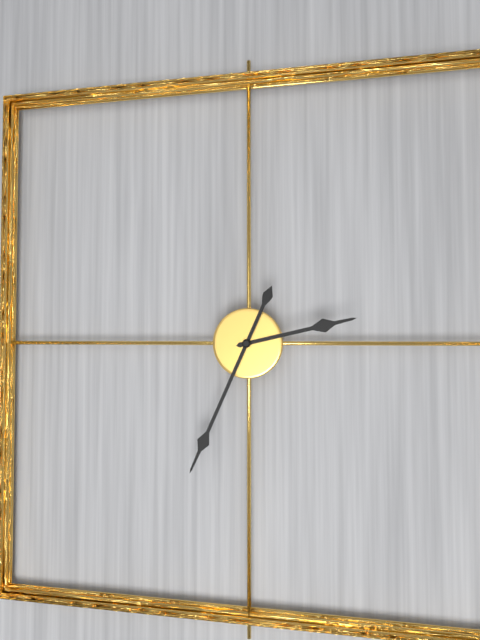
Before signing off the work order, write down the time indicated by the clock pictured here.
2:34
